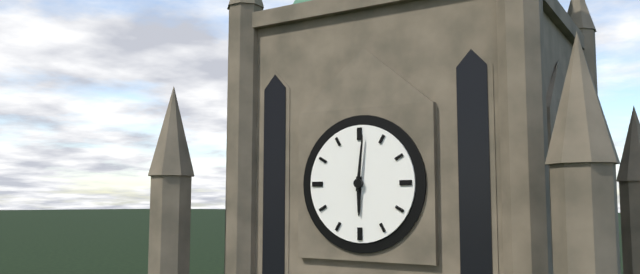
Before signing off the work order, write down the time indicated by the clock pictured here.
6:01
